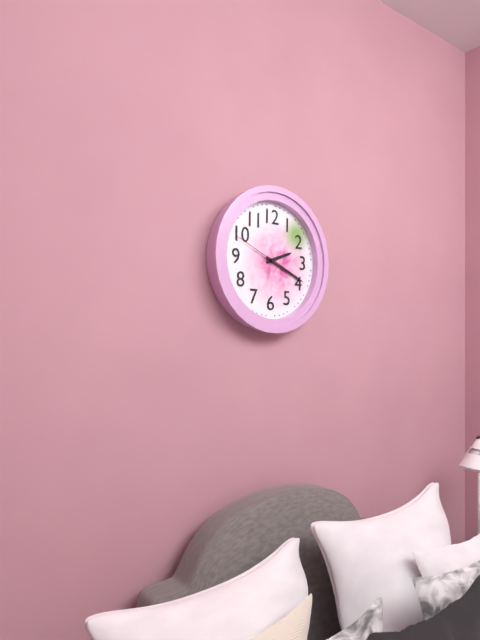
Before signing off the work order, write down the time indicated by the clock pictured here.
2:19:49
